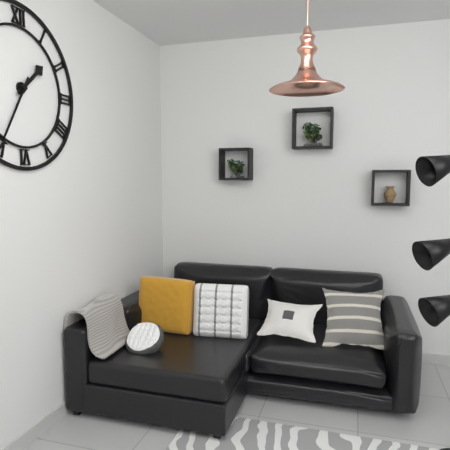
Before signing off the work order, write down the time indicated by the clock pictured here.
1:35
